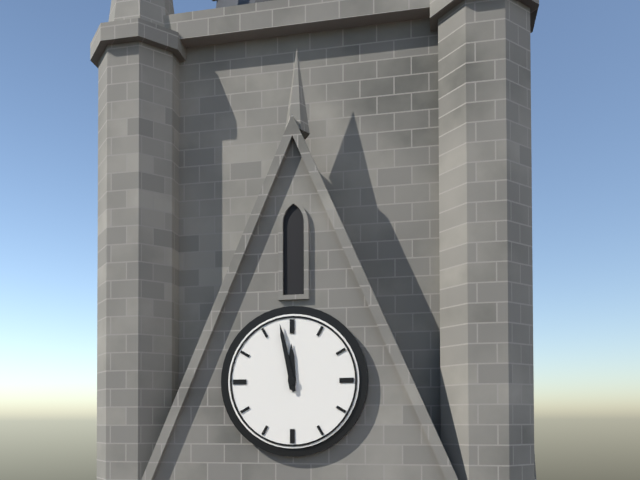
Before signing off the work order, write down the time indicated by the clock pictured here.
11:58
